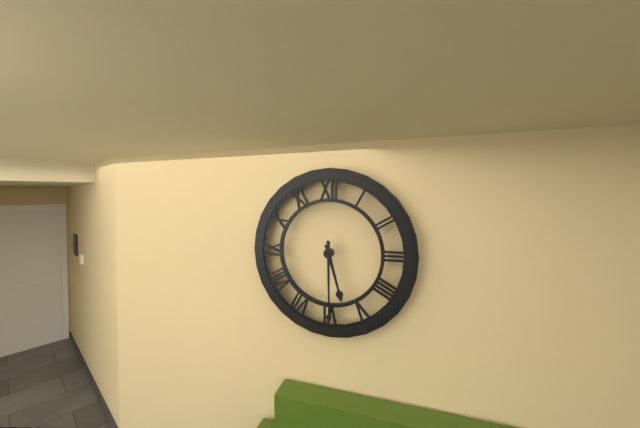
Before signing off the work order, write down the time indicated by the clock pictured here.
5:30
